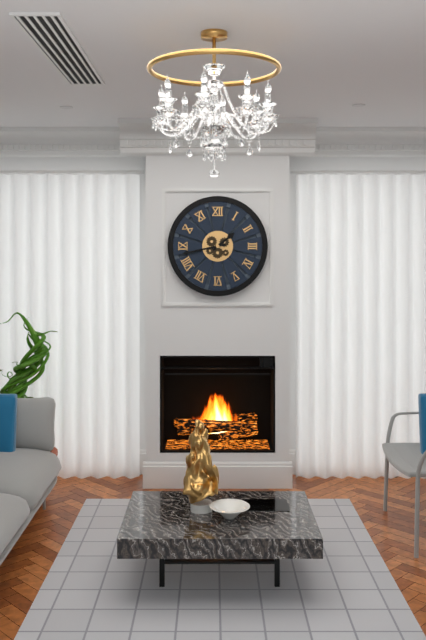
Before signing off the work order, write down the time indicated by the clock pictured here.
1:43
